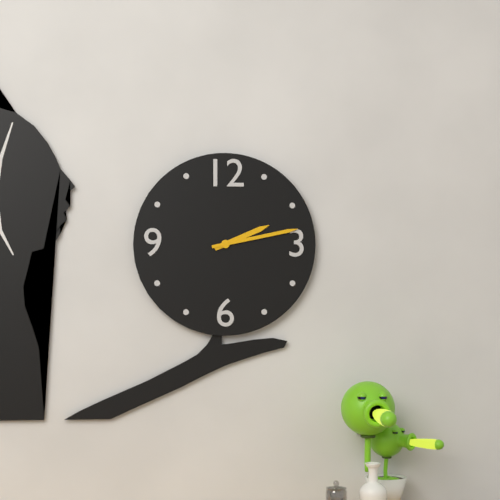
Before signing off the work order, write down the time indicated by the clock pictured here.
2:13
